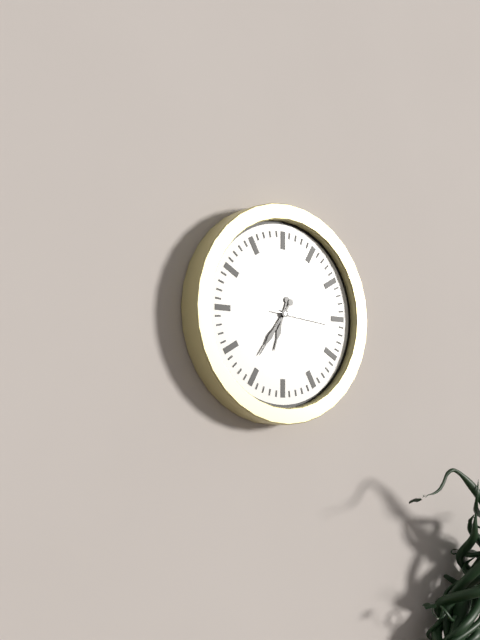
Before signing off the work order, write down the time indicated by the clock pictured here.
6:36:16
